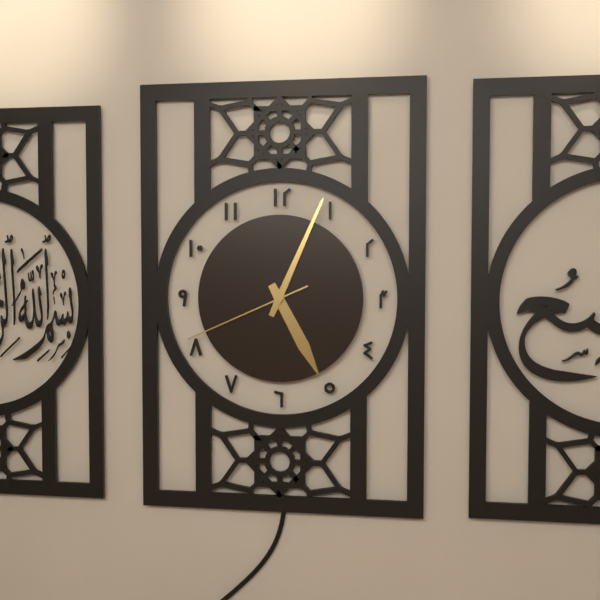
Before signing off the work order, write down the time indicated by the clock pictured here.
5:04:41
